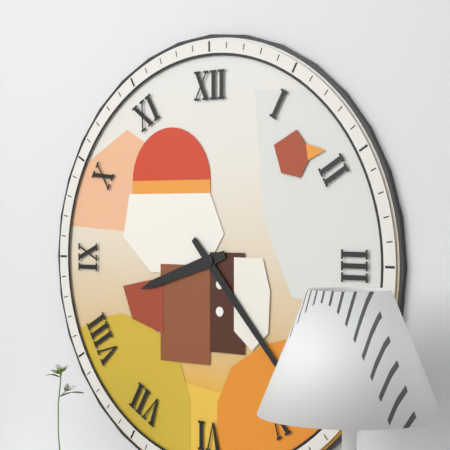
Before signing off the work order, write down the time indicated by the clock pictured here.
8:23
